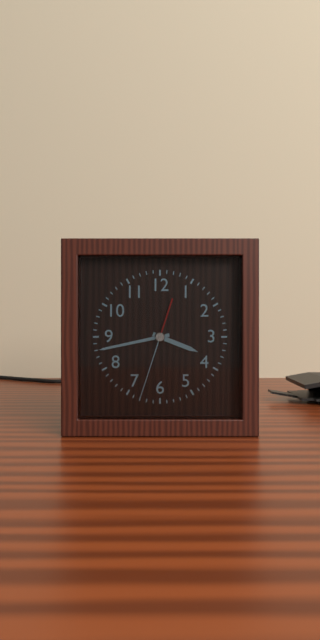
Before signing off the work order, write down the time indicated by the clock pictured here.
3:43:33
